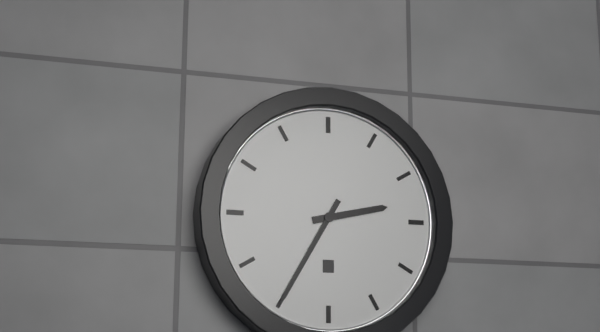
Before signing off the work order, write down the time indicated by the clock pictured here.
2:35
